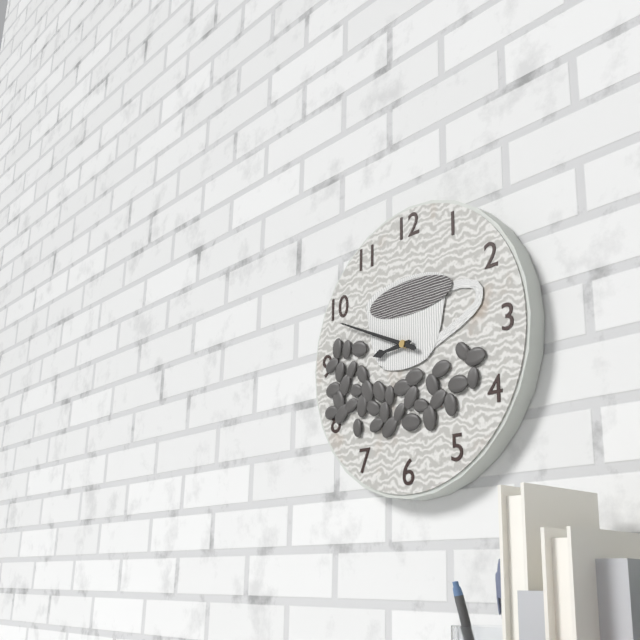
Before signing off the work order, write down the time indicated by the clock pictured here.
8:49
